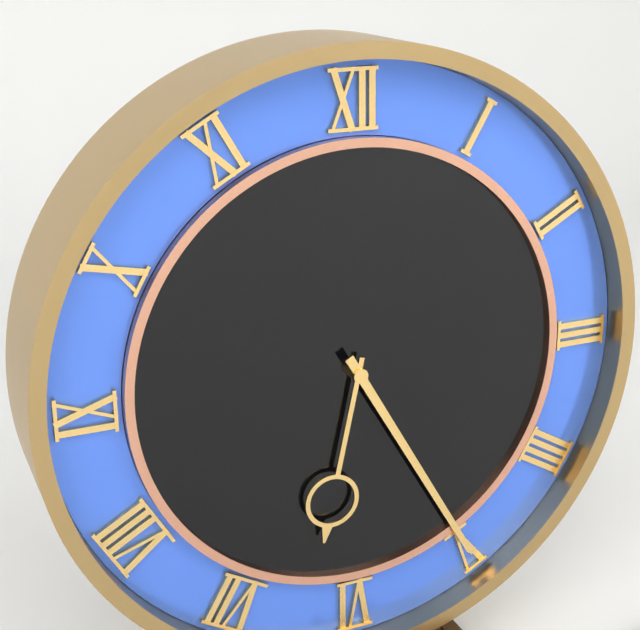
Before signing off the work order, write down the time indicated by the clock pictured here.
6:25
